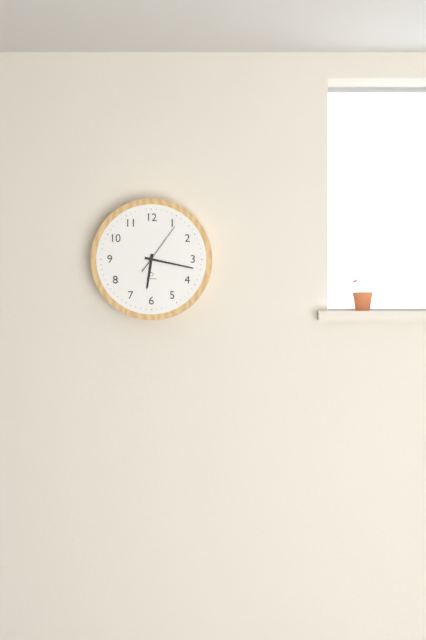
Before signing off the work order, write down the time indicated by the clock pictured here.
6:17:06
